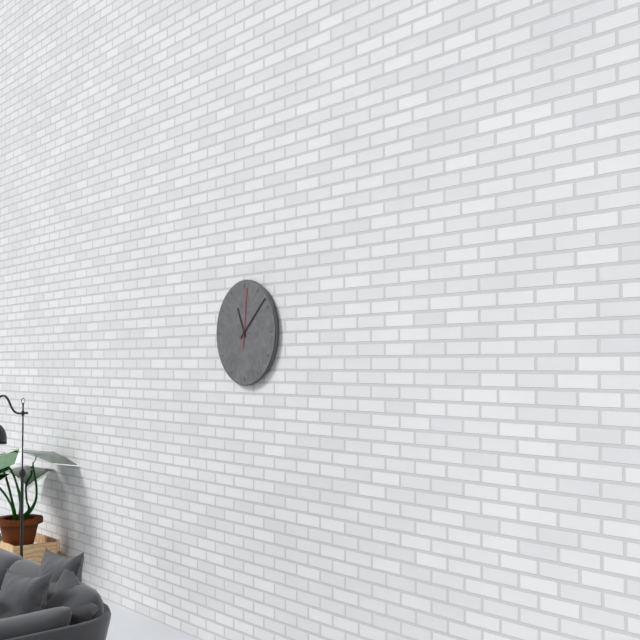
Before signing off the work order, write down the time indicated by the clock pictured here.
11:08:01
